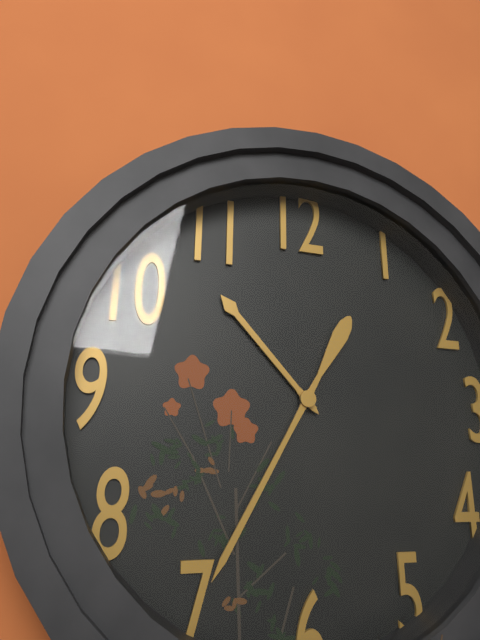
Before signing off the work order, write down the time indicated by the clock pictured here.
10:35
